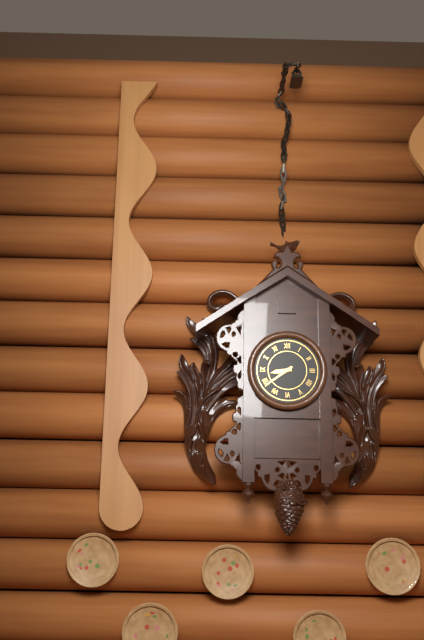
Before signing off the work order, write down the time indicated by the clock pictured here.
8:39
